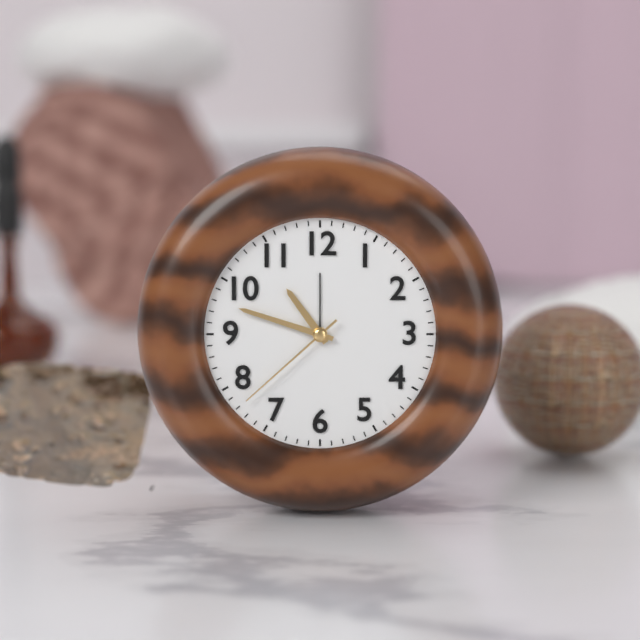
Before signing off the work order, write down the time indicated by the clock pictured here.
10:48:38
